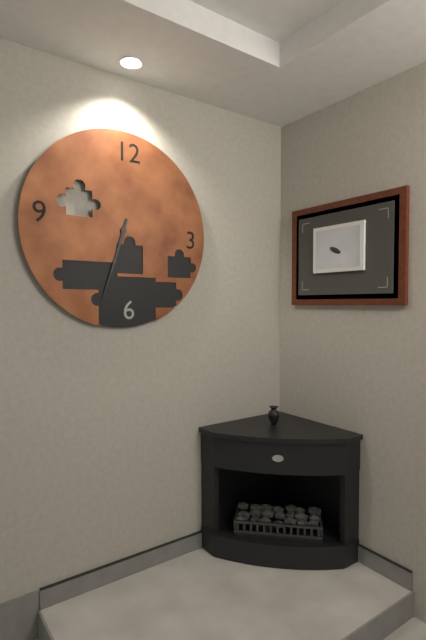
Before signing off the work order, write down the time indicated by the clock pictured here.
6:33
